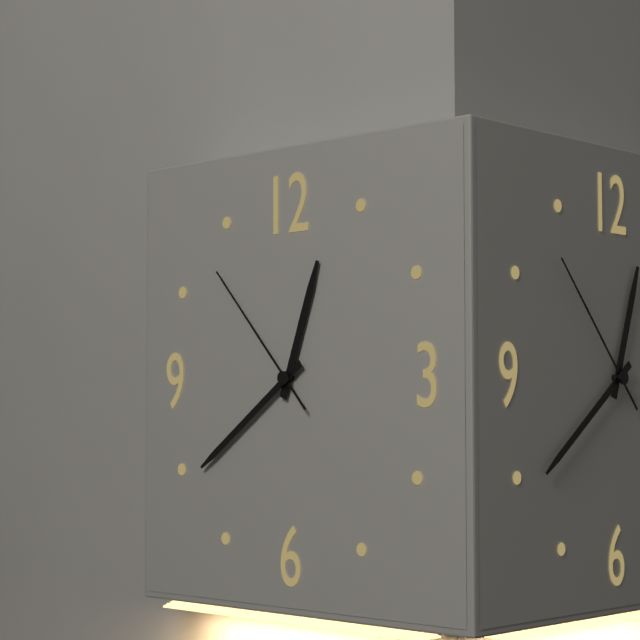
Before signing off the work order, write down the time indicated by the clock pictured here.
12:39:53
